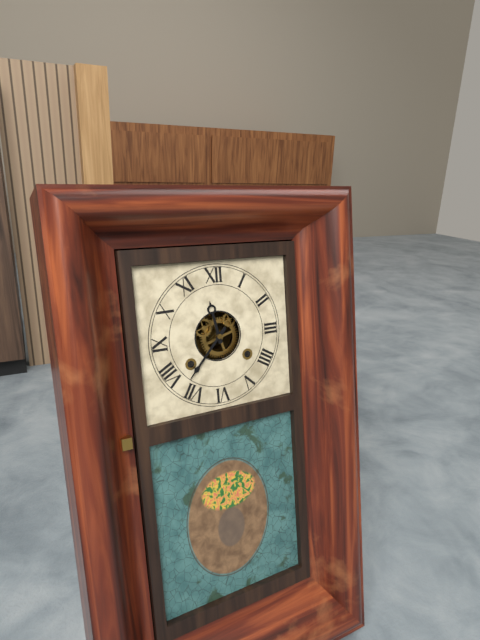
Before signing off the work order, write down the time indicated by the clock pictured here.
11:37
